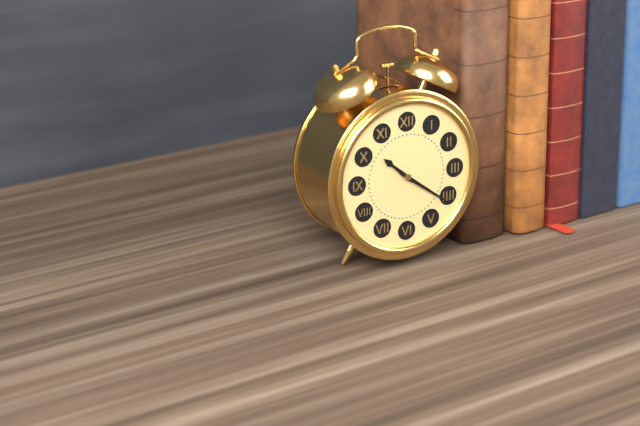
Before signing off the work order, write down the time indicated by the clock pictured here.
10:21
